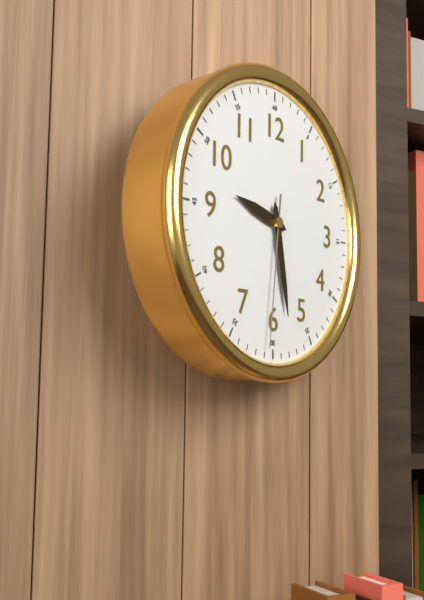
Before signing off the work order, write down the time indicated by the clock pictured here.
9:28:31
